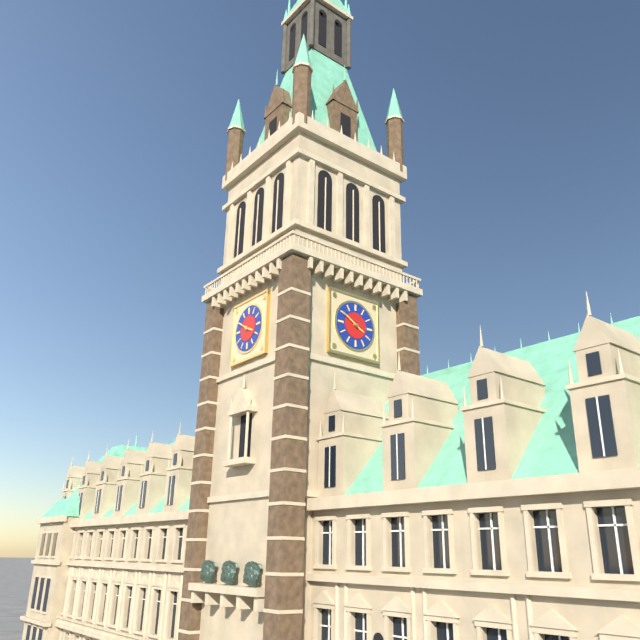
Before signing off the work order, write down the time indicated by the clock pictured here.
3:50
